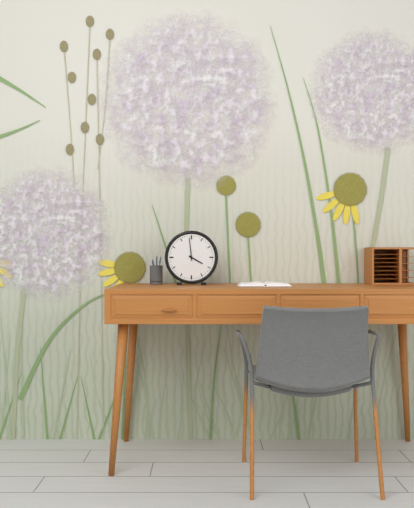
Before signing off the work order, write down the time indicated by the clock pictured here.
3:59
